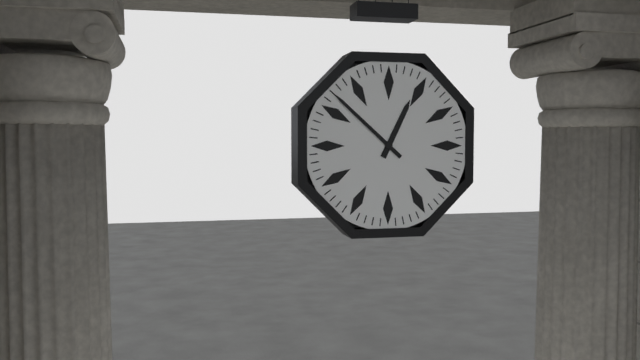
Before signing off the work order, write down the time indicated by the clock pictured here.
12:52
